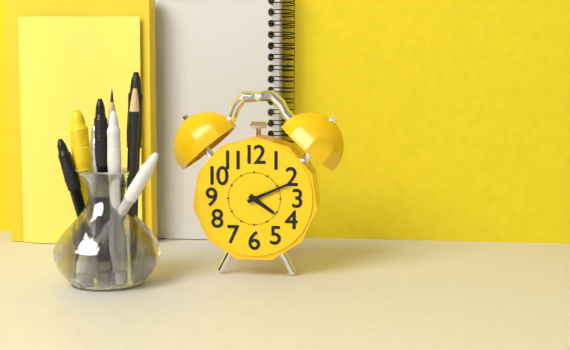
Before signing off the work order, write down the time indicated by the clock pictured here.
4:11
